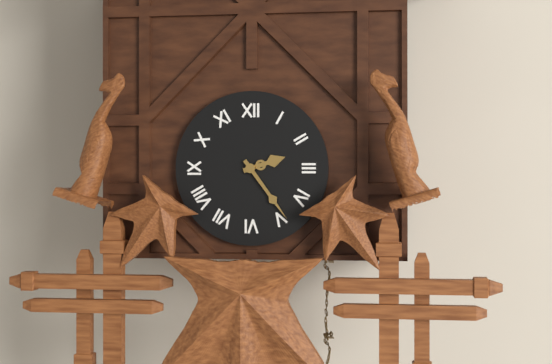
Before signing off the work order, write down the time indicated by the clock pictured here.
2:24
